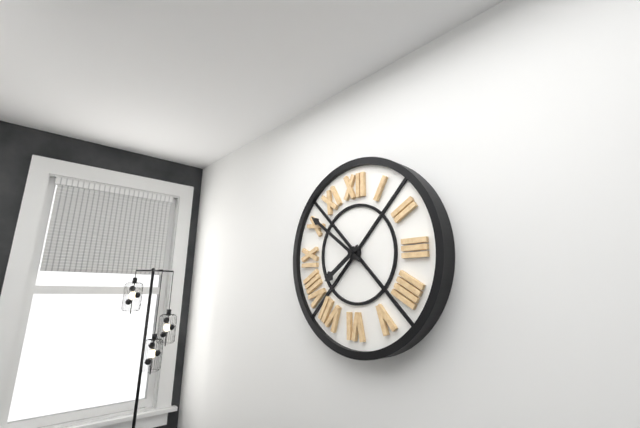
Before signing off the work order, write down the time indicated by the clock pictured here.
7:51
